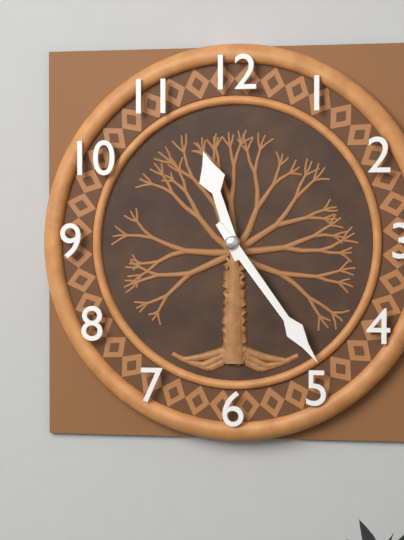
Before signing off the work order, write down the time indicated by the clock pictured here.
11:24
